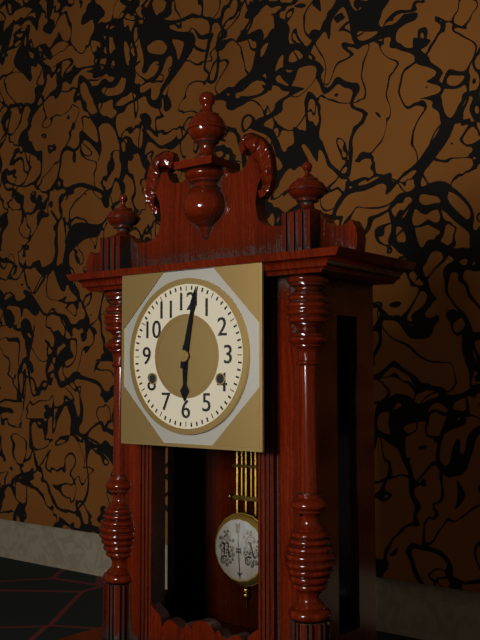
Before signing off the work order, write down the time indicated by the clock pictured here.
6:02
